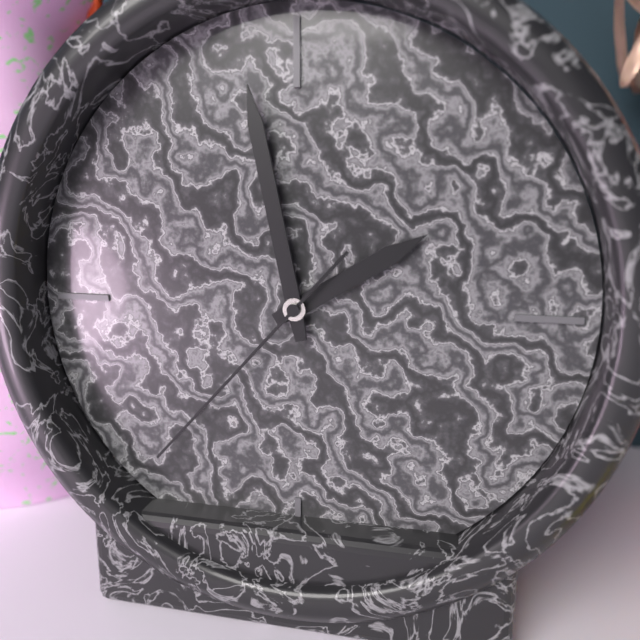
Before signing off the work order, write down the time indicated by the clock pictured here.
1:58:37
